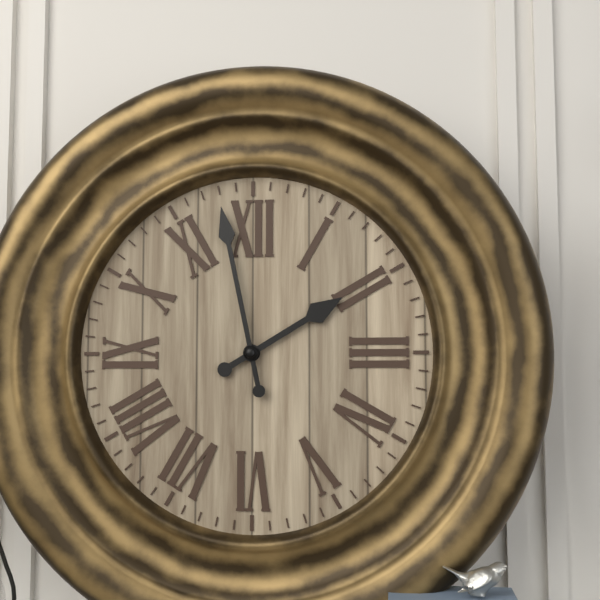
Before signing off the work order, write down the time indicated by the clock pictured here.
1:58
